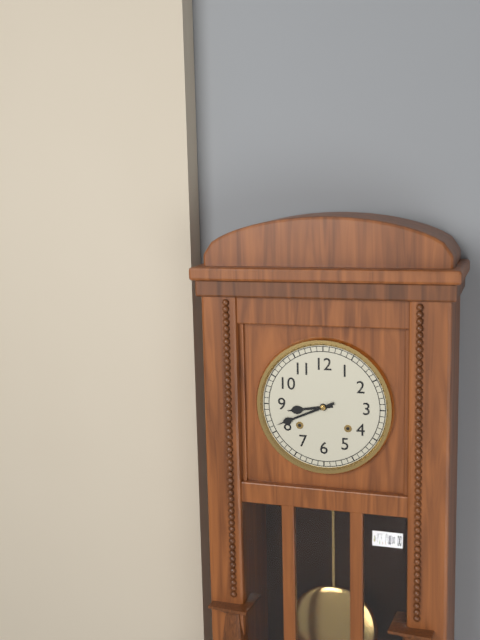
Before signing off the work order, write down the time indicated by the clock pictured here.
8:41
